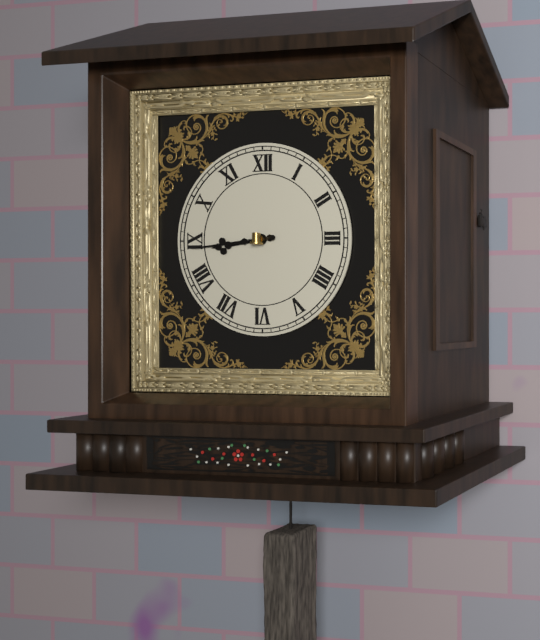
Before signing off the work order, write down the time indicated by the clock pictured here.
8:44
